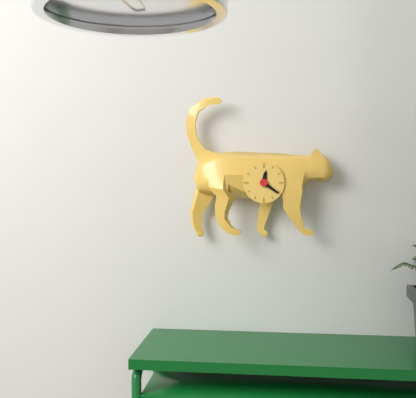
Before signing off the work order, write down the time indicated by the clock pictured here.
12:21
